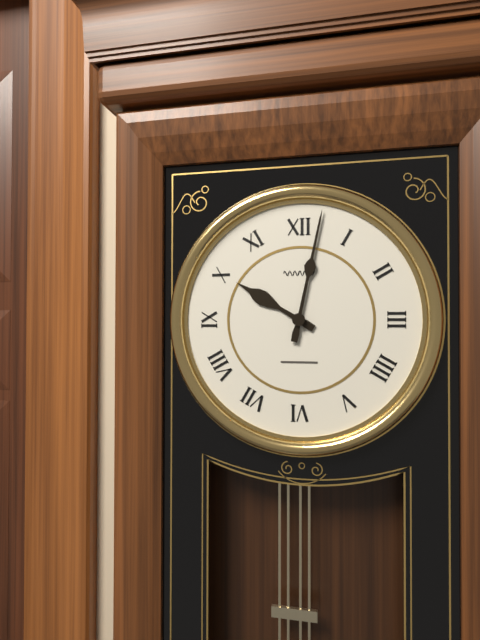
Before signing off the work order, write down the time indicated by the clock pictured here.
10:02
